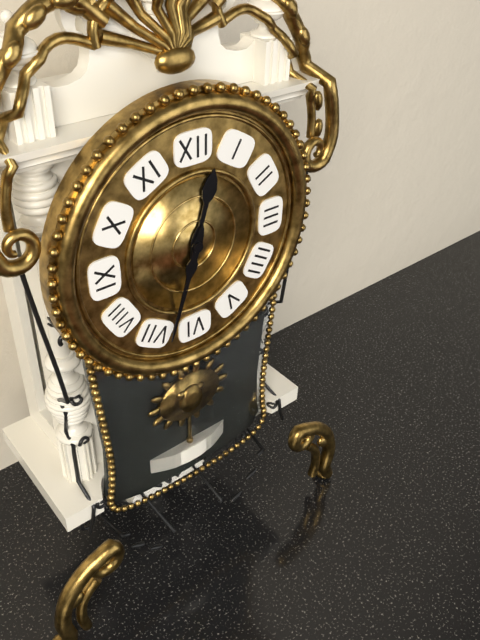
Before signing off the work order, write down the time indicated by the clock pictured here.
12:33
